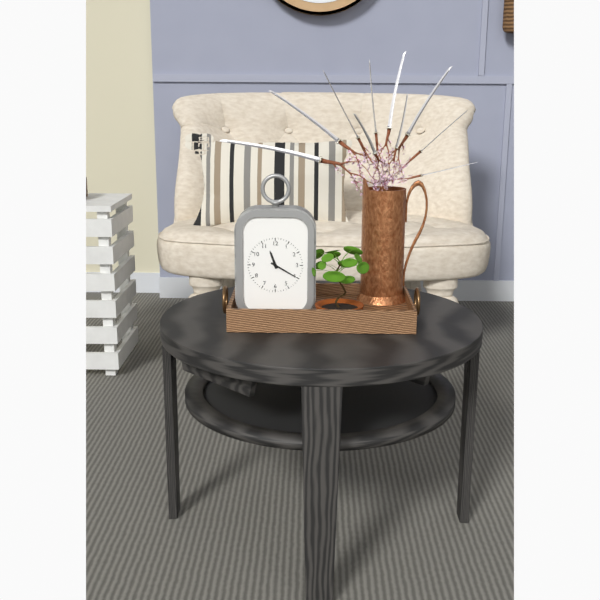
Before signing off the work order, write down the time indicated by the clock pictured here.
11:20
